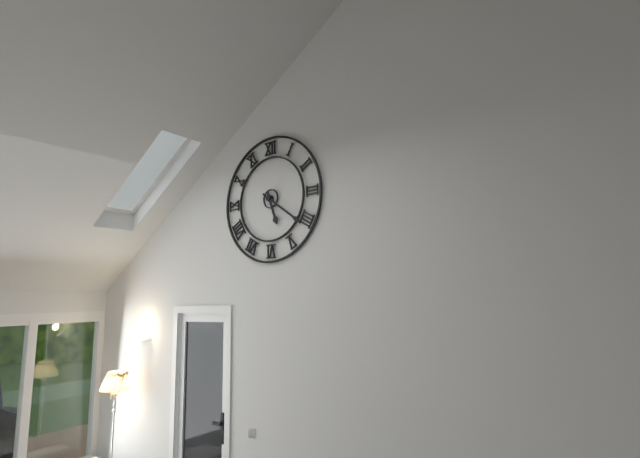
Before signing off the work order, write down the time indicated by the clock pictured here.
5:21
